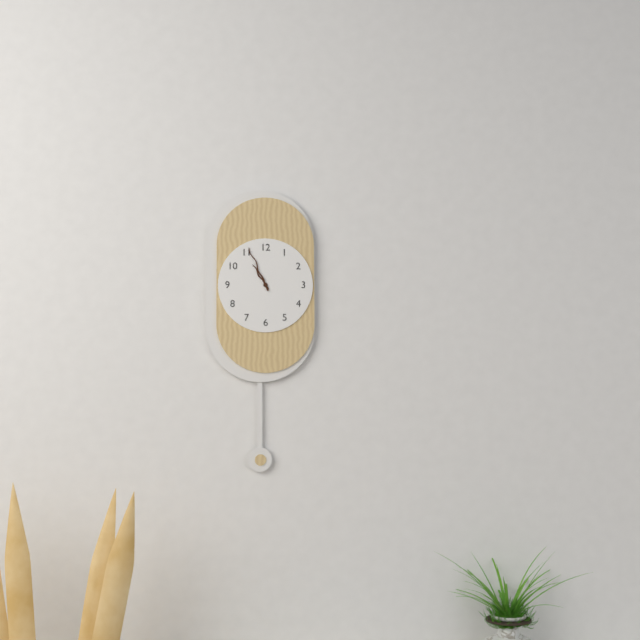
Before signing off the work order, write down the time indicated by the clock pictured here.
10:56
